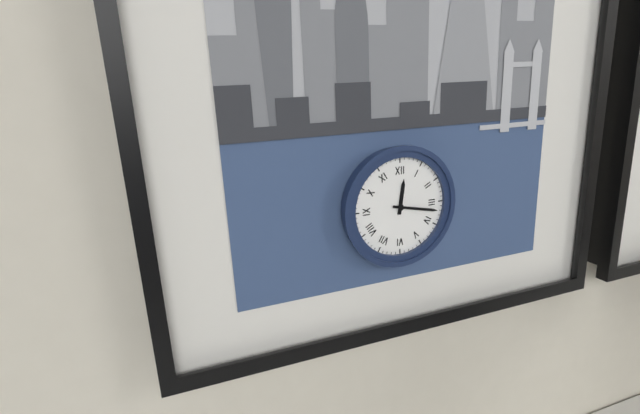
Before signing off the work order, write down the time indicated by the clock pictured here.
12:17
